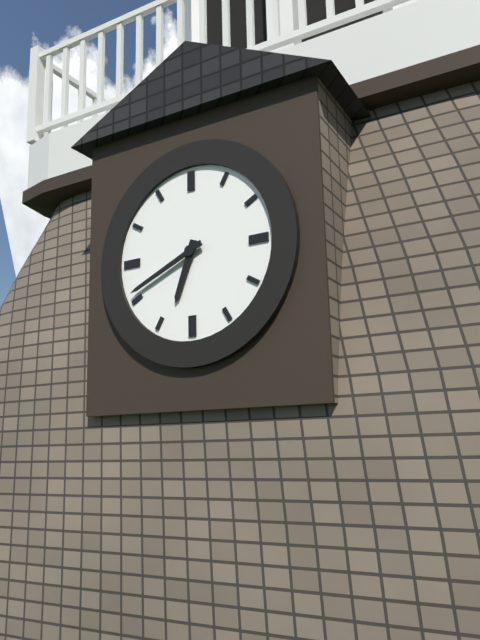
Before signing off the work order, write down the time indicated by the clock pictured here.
6:41
